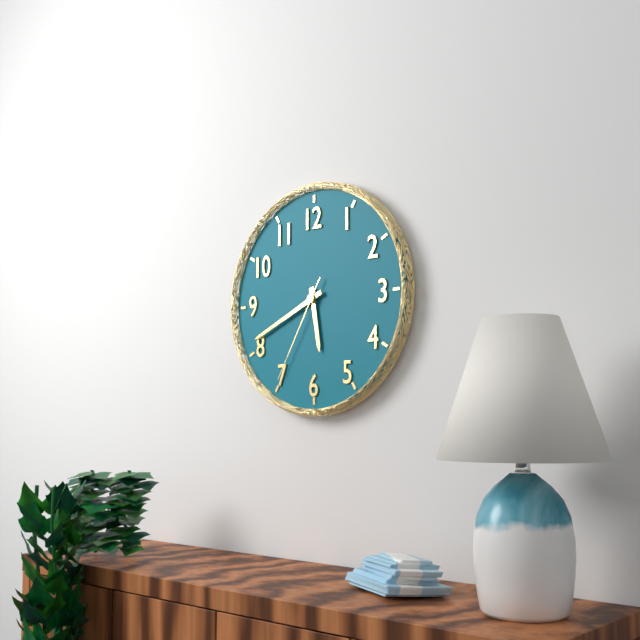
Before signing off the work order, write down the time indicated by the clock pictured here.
5:41:35
